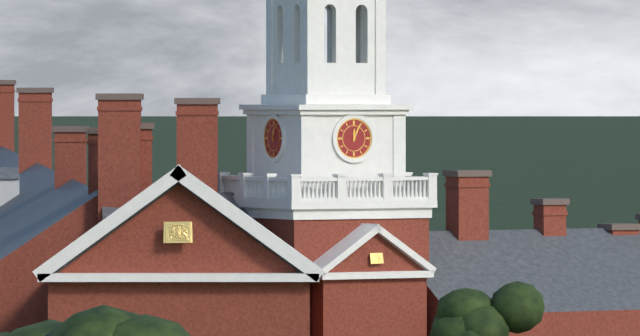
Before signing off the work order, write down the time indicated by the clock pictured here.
12:04
